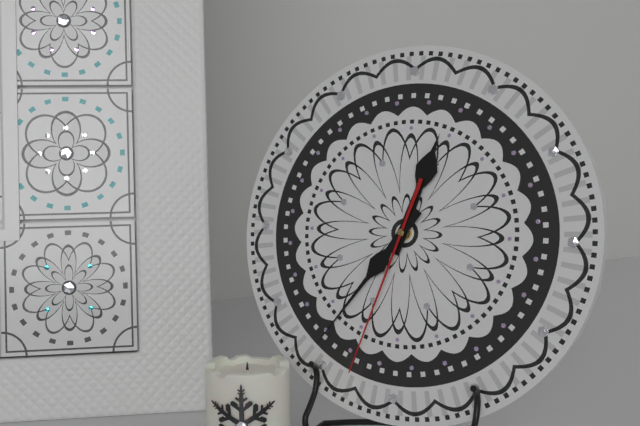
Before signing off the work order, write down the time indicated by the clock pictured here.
12:36:33
